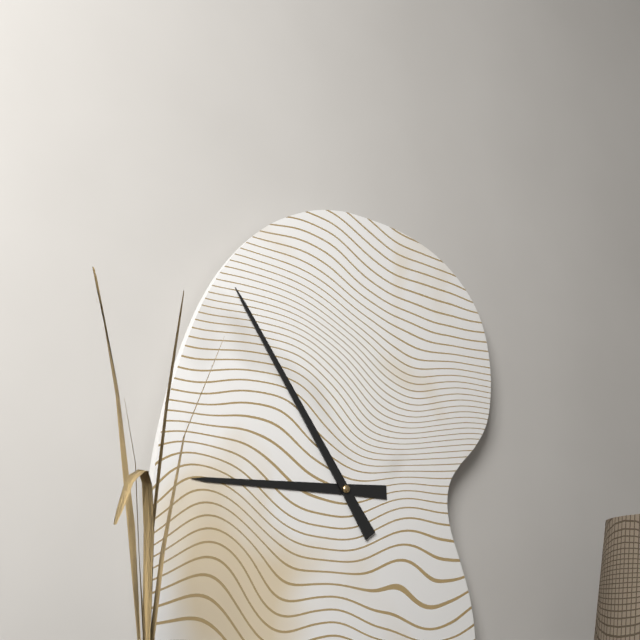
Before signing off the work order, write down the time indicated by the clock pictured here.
8:54
